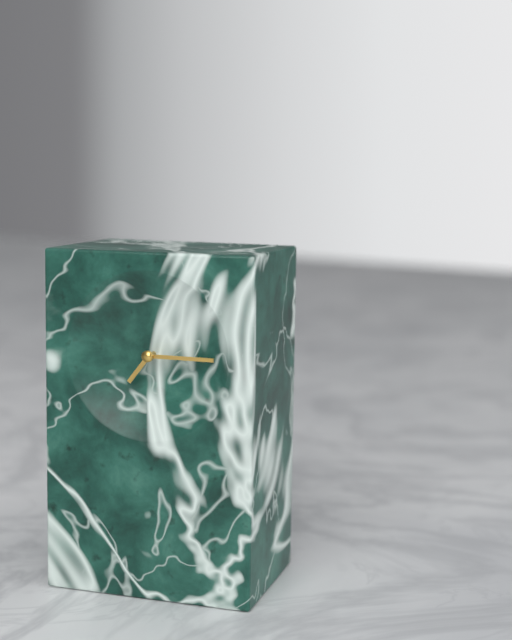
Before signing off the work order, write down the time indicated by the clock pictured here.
7:15
